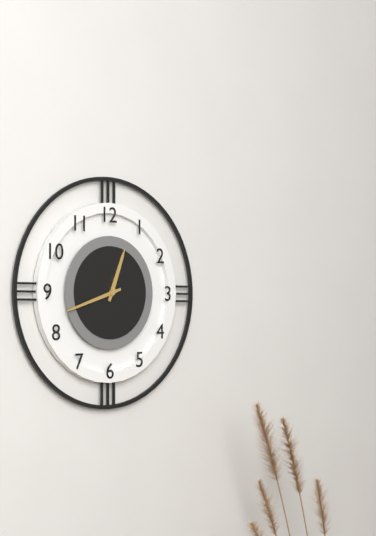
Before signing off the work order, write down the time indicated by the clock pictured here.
12:42
